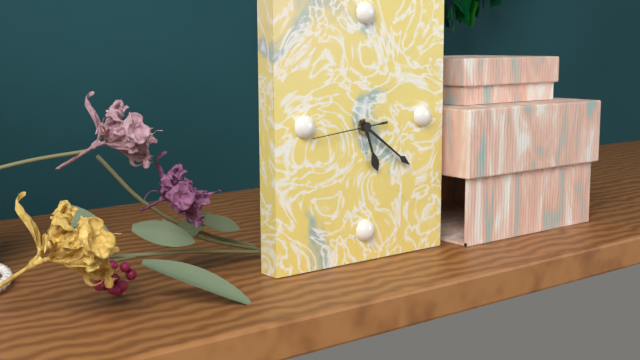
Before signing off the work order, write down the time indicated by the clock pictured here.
5:21:44
